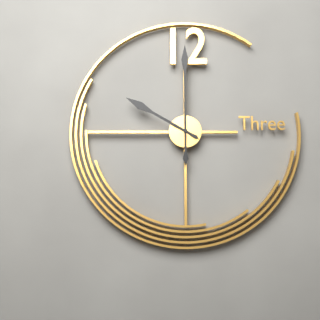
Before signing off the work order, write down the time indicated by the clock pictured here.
10:00
